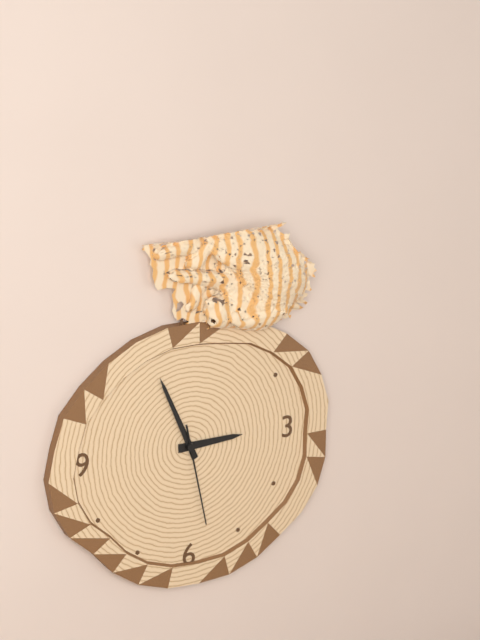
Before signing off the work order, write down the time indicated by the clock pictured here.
2:56:28
